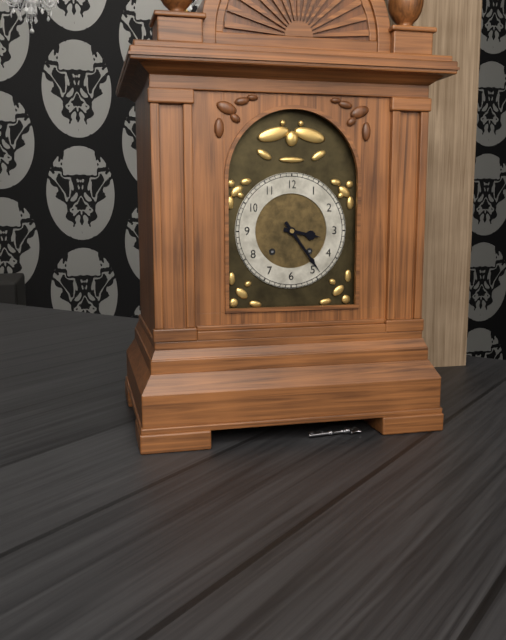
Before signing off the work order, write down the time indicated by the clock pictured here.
3:24
